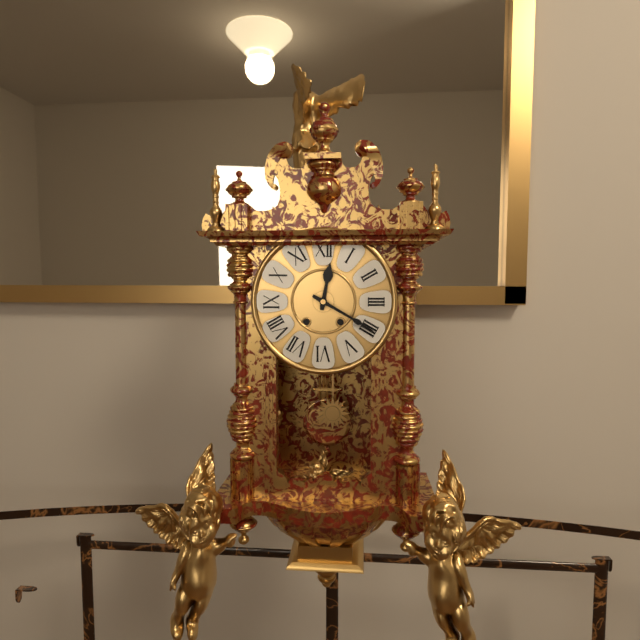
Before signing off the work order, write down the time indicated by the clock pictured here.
12:20
